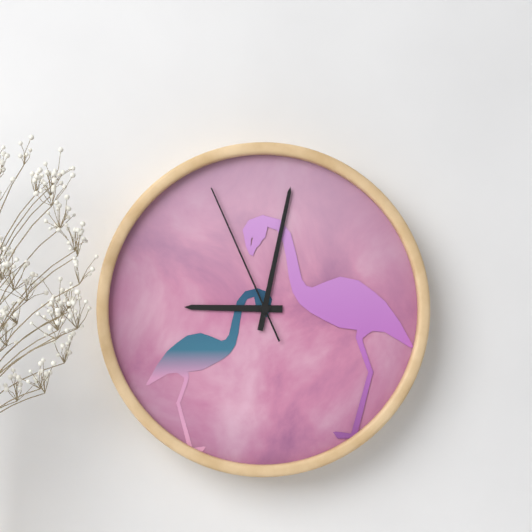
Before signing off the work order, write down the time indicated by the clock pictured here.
9:02:56
